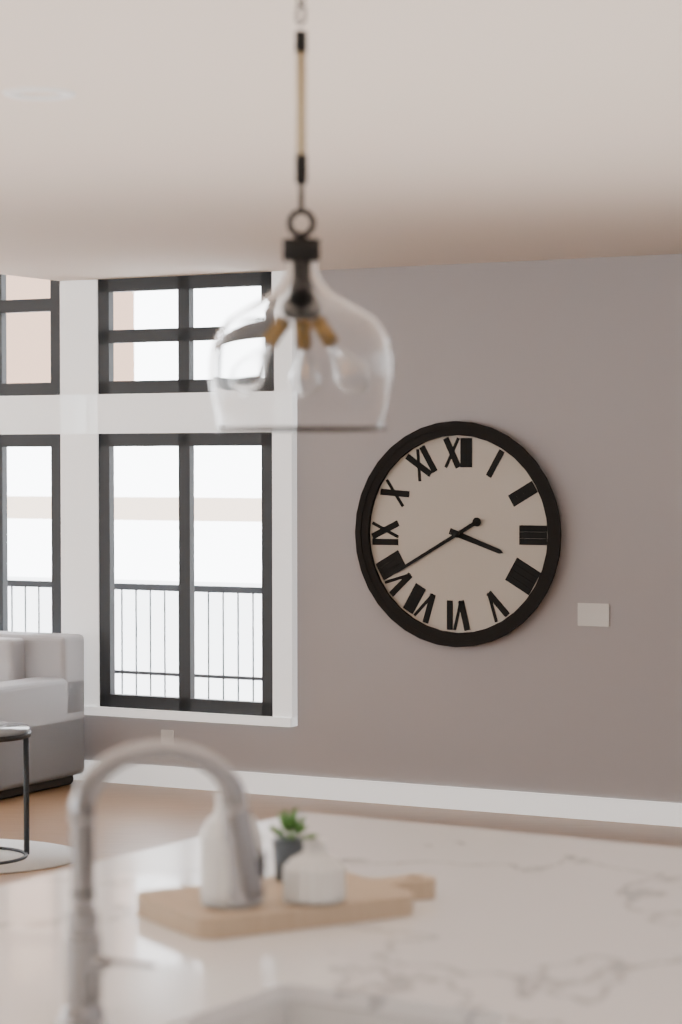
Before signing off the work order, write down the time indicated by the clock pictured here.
3:40
